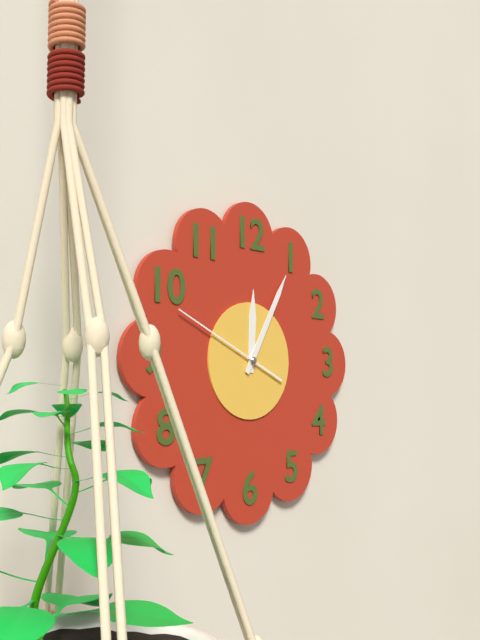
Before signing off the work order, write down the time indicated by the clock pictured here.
12:05:49
